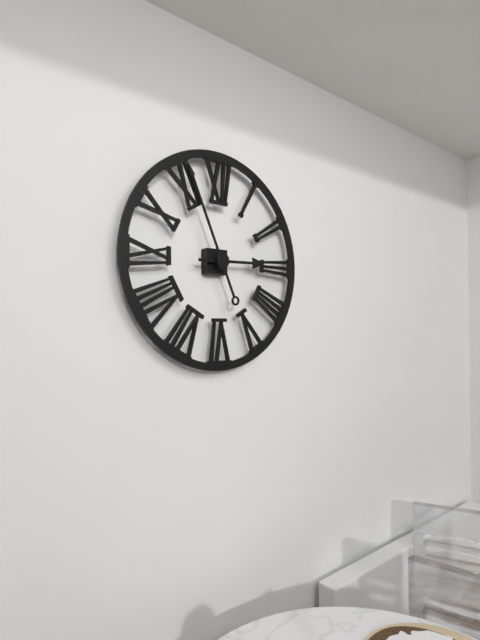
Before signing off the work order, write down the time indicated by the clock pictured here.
2:56
